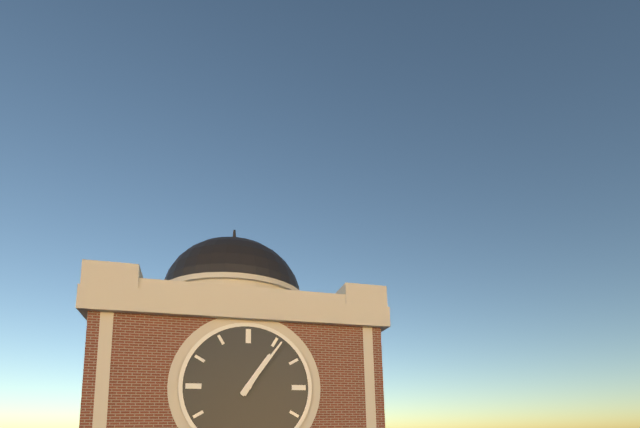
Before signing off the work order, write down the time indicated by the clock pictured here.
1:06
